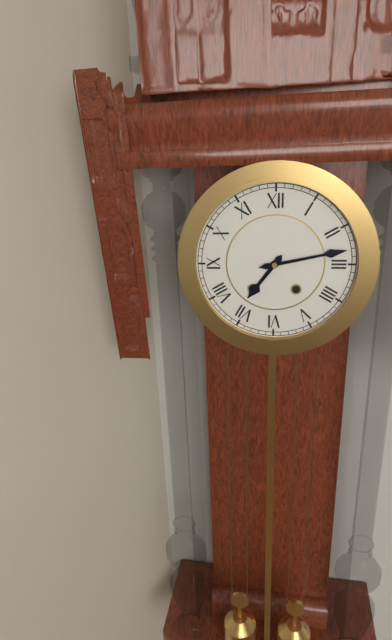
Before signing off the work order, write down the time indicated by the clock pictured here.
7:13
